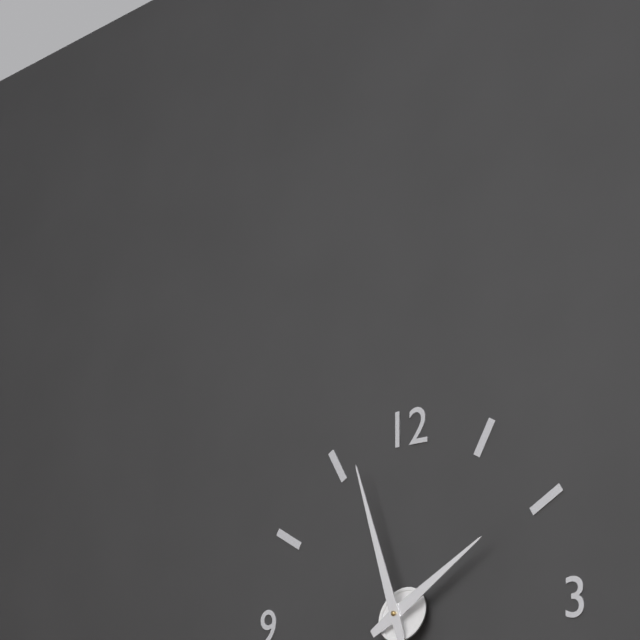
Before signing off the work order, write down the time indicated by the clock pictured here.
1:57
